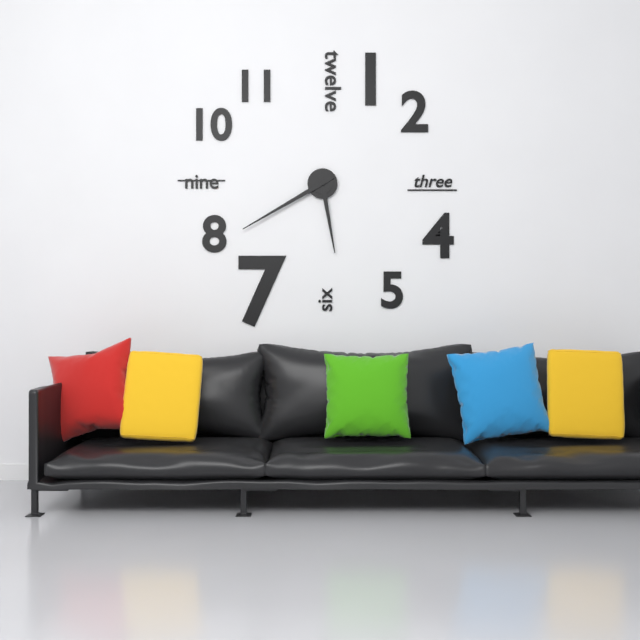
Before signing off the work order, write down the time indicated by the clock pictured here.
5:40
